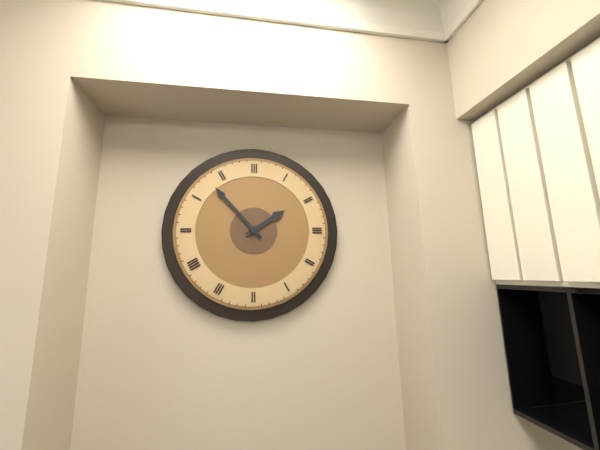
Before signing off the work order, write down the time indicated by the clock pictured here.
1:53
